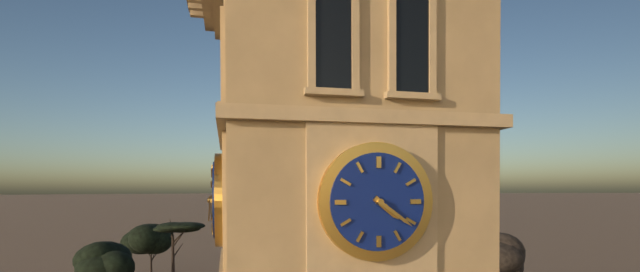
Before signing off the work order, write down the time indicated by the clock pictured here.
4:21
